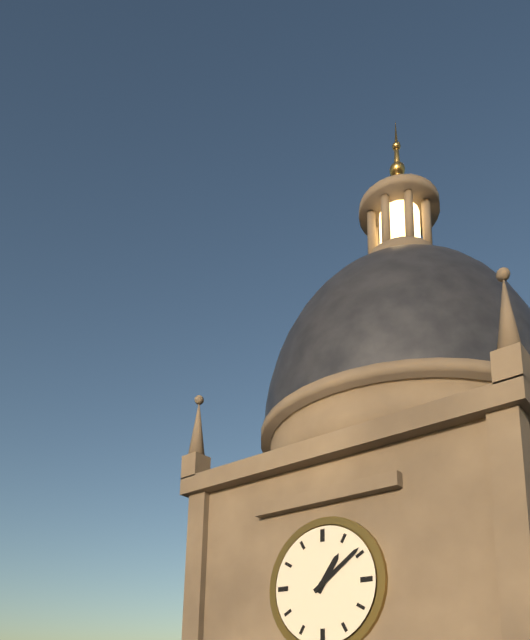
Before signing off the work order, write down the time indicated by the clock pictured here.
1:09
